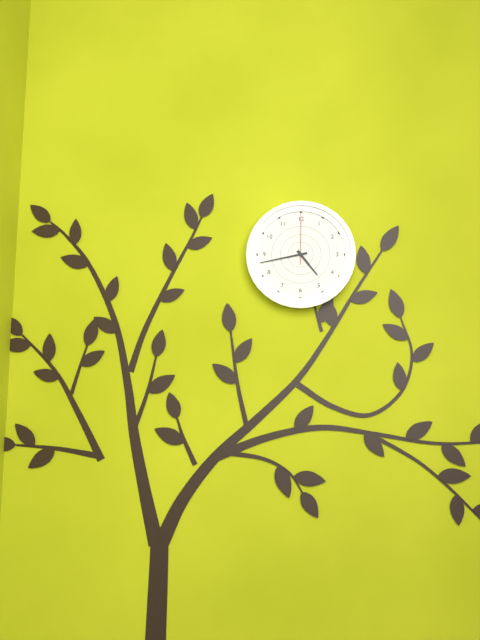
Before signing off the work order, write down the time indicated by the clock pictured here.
4:43:00
